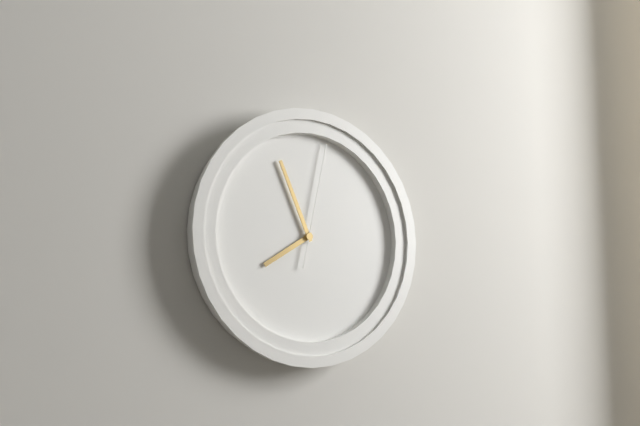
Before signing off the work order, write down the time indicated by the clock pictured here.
7:56:02
